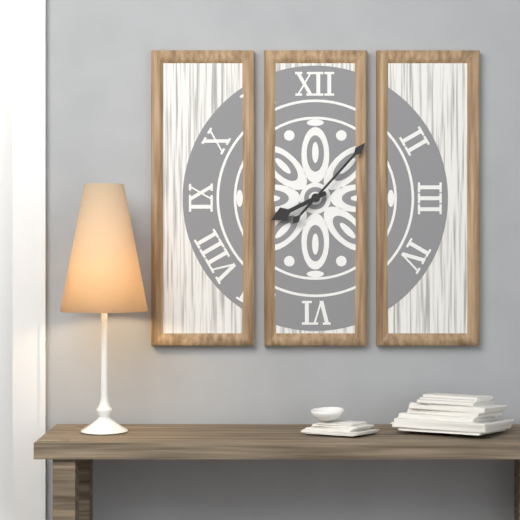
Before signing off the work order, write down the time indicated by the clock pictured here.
8:07
